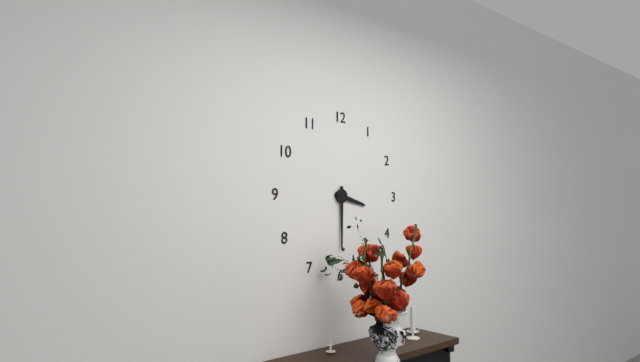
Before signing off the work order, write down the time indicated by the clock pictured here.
3:30
